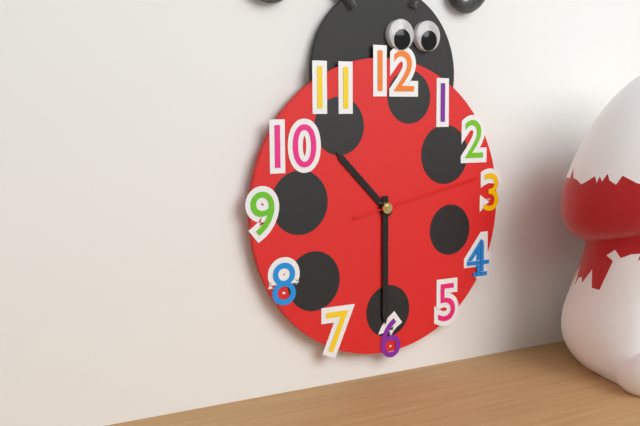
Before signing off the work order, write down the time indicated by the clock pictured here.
10:30:13
